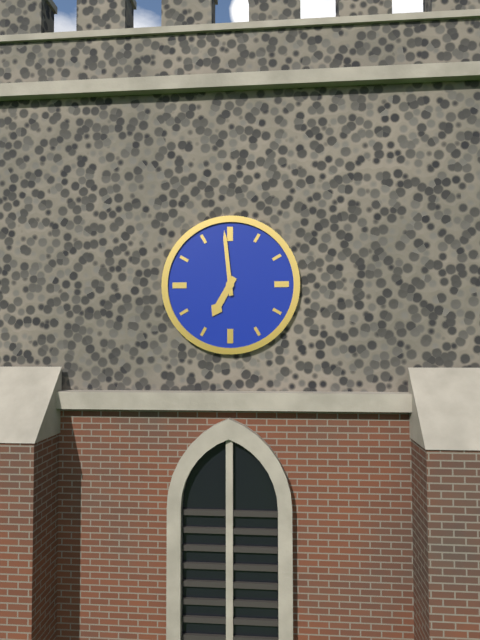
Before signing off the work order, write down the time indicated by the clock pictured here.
6:59
